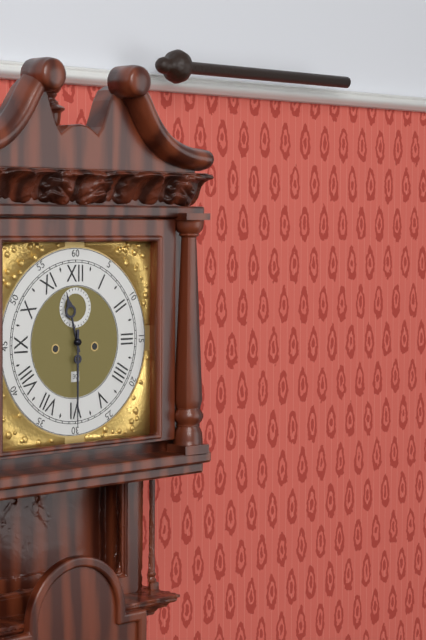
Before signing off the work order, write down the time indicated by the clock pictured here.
11:30
